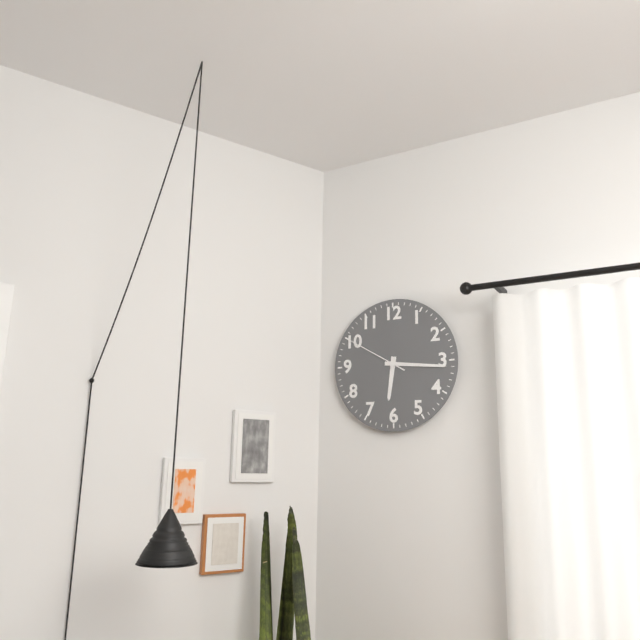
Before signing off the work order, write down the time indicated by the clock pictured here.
6:16:50
